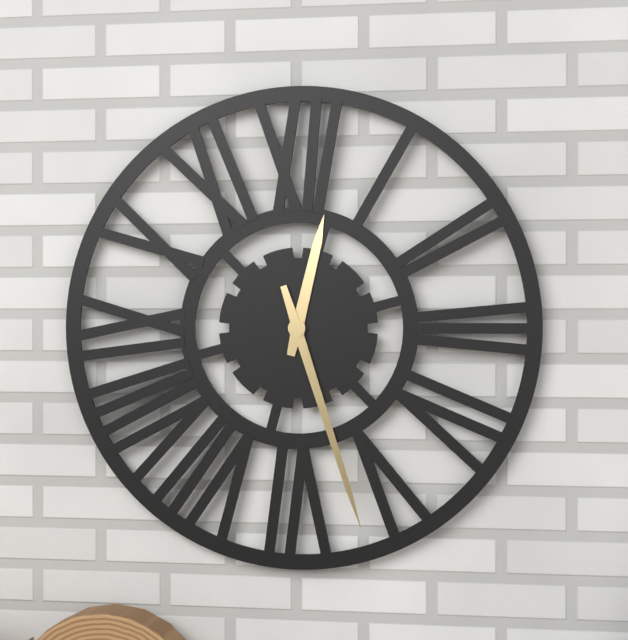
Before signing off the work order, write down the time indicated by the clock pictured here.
12:27
